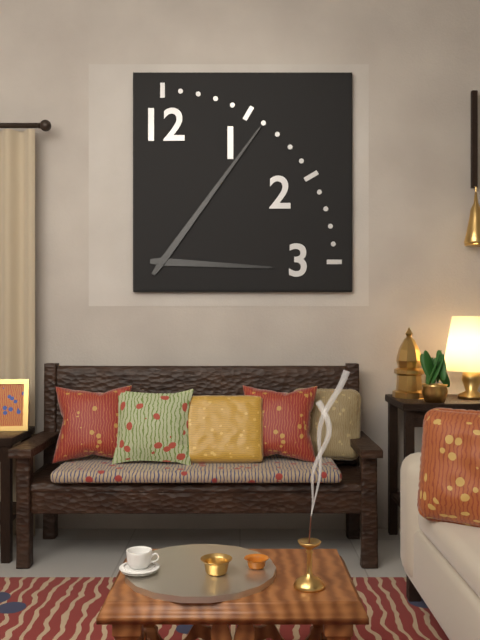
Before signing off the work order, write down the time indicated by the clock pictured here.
3:06
